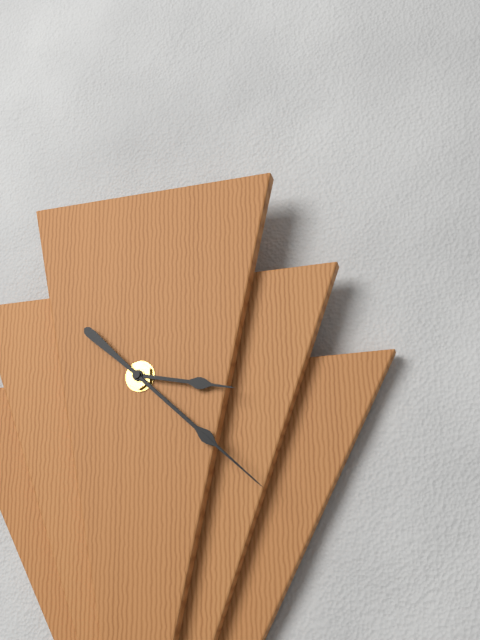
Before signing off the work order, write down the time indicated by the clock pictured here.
3:22:22
